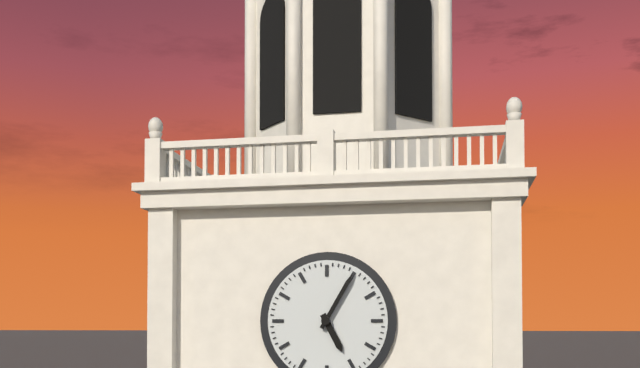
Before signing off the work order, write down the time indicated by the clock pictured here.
5:05
